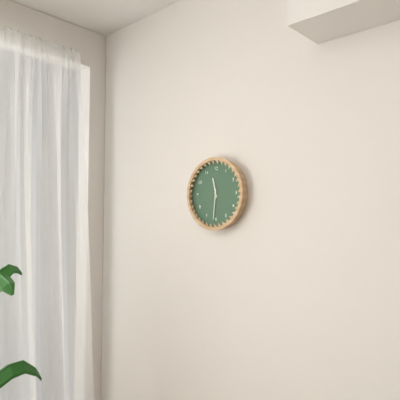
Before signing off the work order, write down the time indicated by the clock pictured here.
11:31
